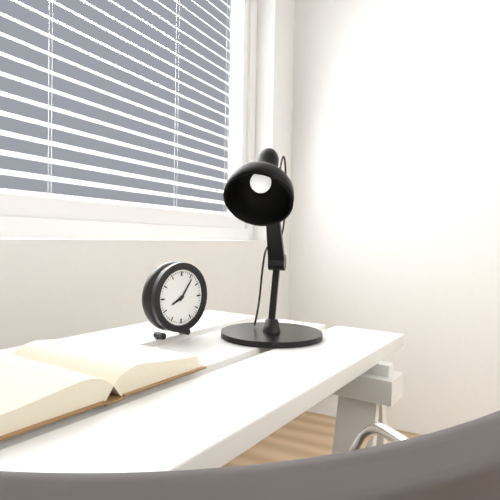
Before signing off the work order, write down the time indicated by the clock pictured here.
8:06
